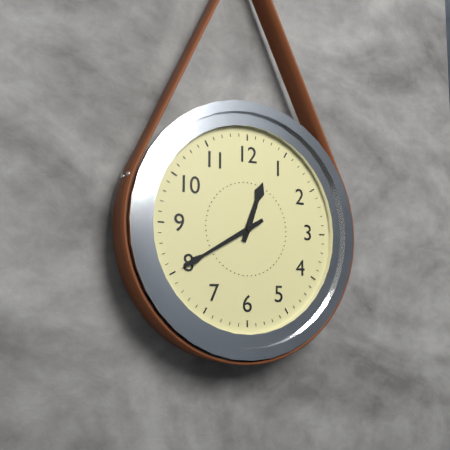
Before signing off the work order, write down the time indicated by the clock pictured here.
12:40
